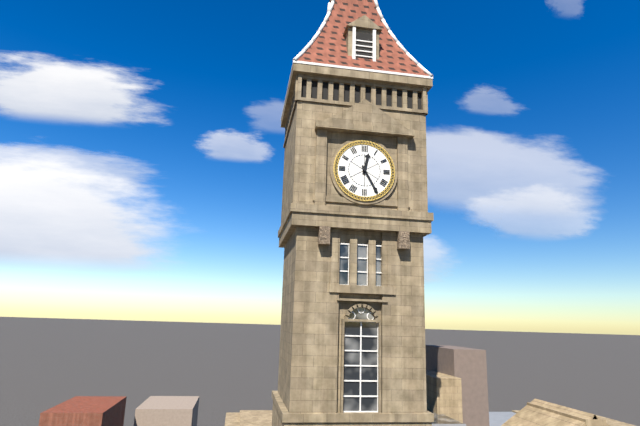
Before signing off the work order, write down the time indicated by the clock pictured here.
12:25
